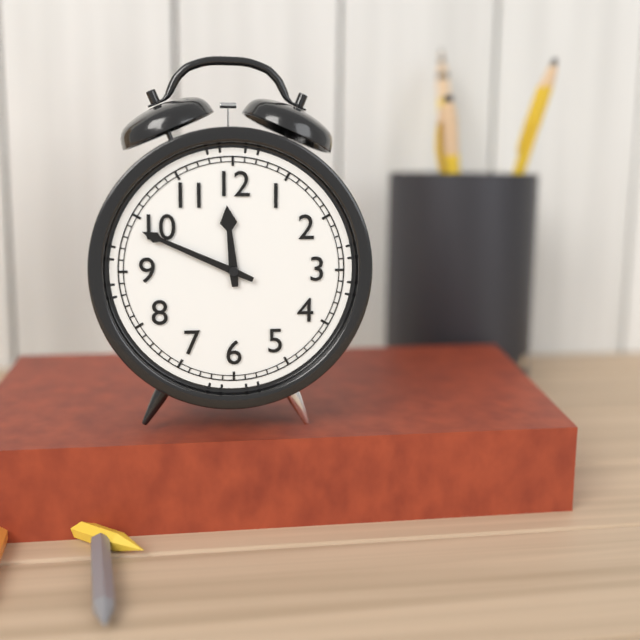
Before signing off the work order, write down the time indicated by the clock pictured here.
11:49
